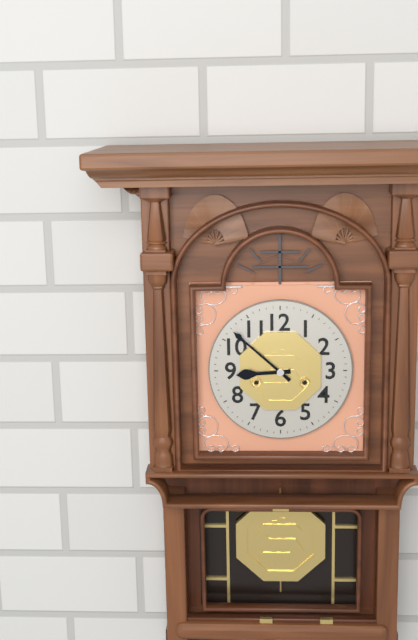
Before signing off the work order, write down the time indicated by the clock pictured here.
8:52
